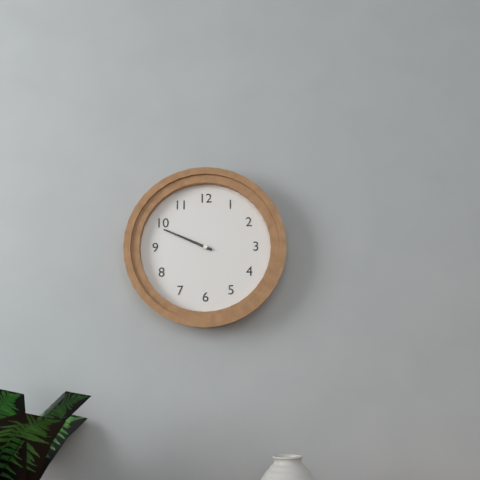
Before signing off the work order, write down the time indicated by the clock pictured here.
9:49
